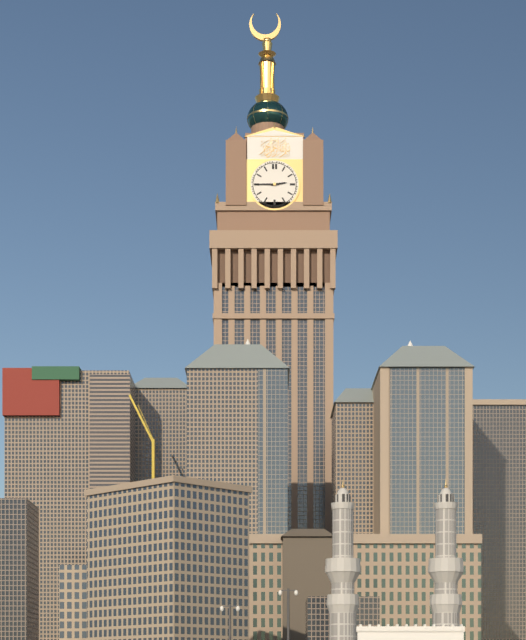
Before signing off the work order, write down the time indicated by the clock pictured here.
2:45
